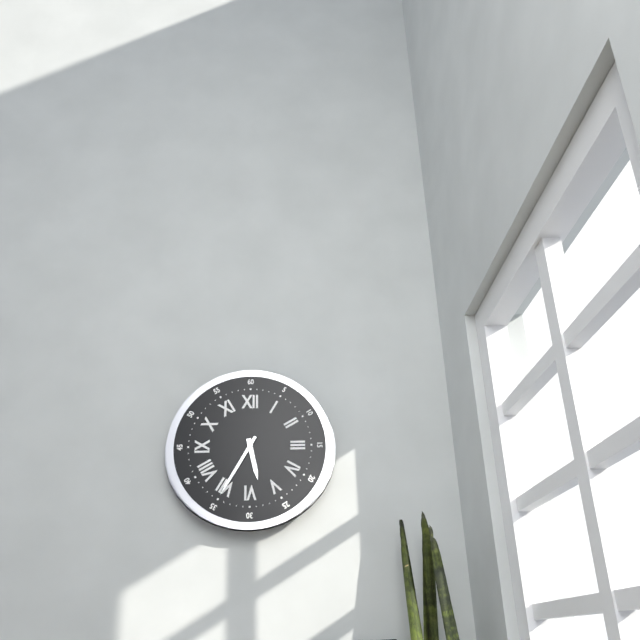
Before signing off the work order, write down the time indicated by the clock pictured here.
5:35
